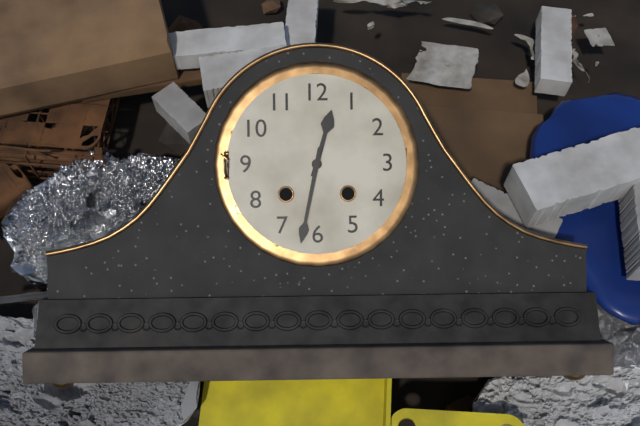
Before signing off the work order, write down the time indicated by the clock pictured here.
12:32
